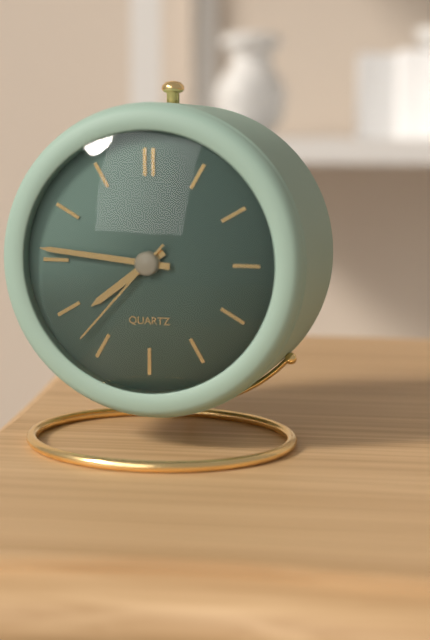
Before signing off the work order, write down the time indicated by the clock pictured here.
7:46:37
